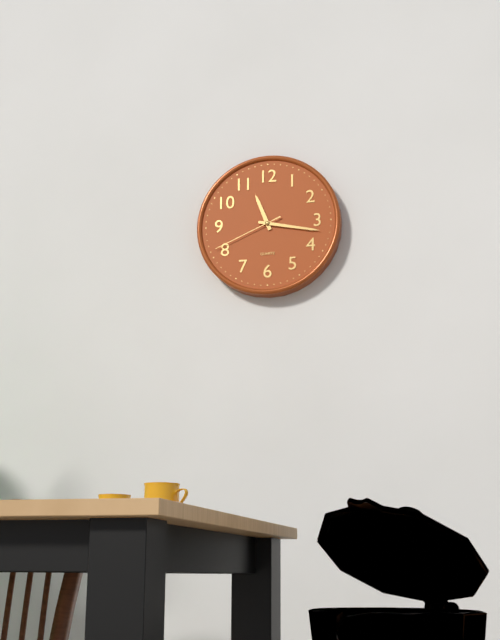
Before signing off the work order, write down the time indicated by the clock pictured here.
11:17:41
